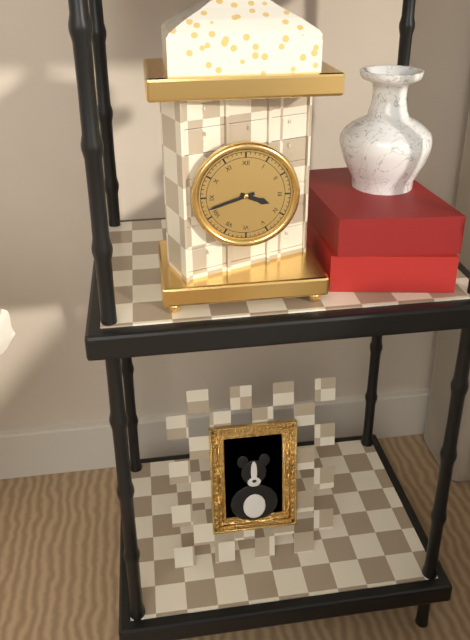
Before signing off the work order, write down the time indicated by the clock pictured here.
3:42
